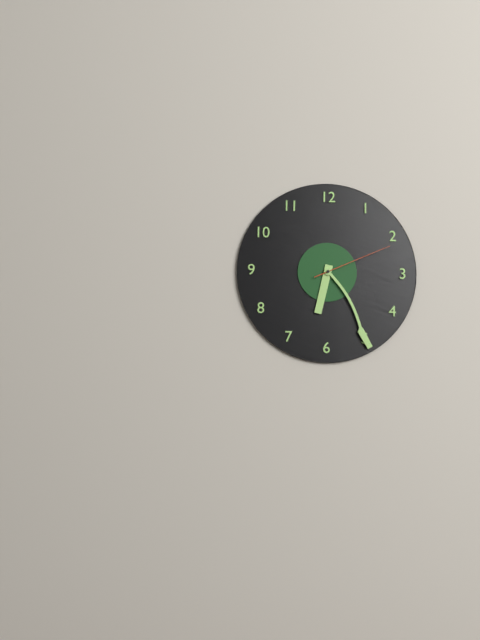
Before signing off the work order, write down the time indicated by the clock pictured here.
6:25:11
